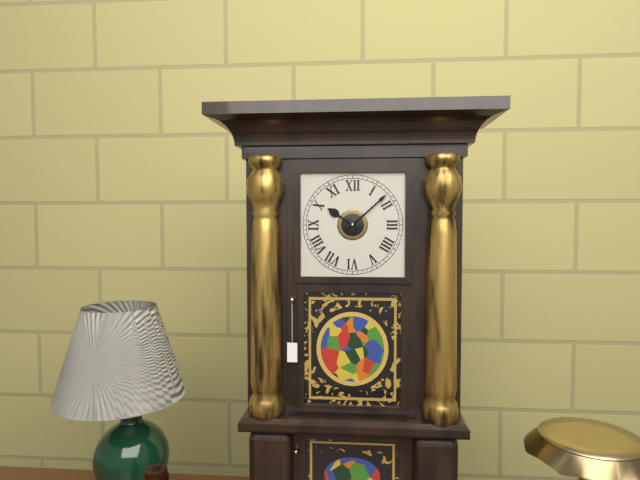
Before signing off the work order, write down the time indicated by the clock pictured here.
10:08
